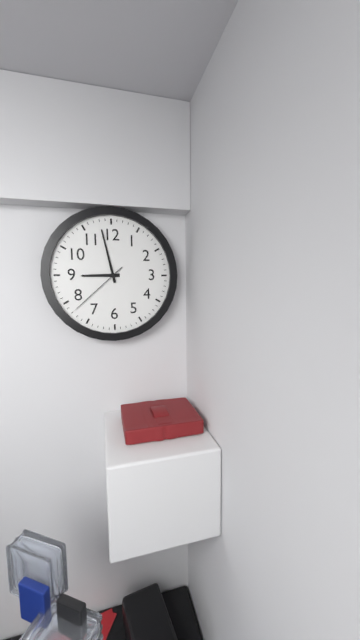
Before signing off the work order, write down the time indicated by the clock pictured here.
8:58:38
